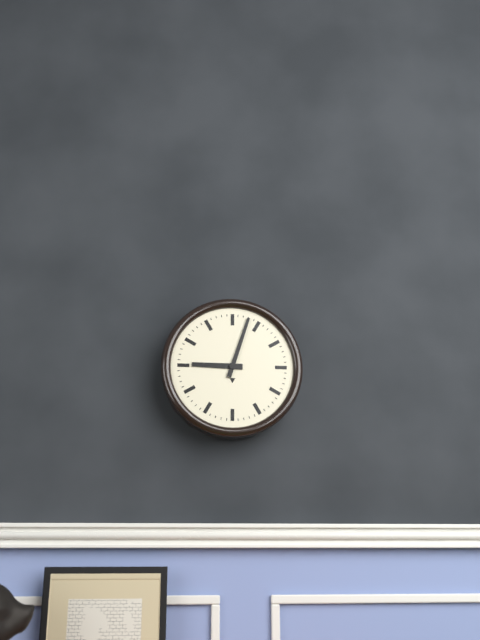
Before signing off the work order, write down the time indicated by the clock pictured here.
9:03
